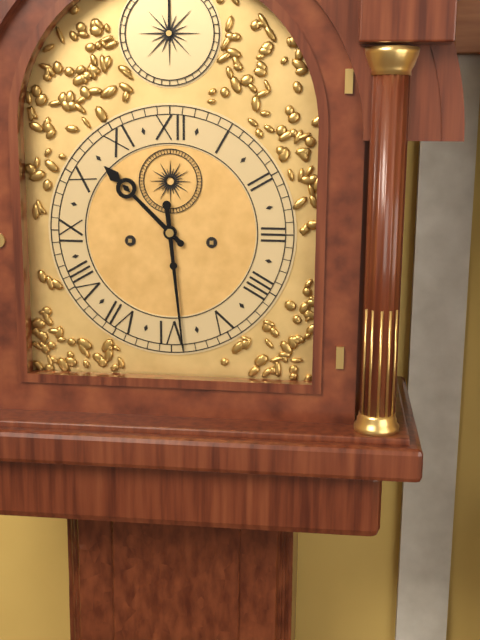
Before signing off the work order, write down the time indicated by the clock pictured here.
10:29
